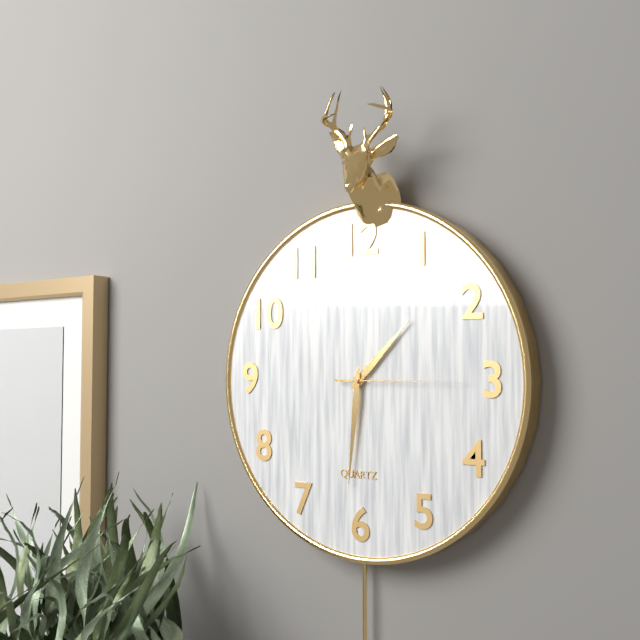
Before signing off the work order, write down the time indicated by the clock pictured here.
1:31:15
